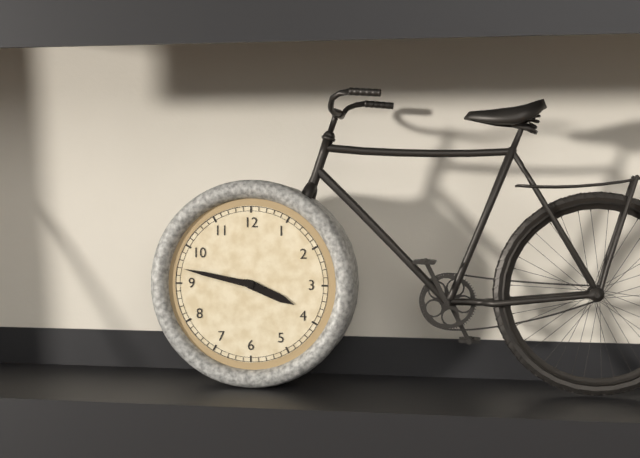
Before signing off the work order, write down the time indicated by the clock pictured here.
3:47
